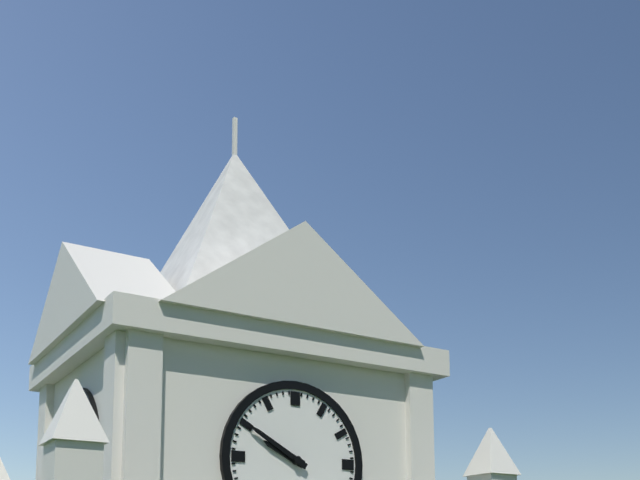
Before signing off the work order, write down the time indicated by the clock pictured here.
9:50
